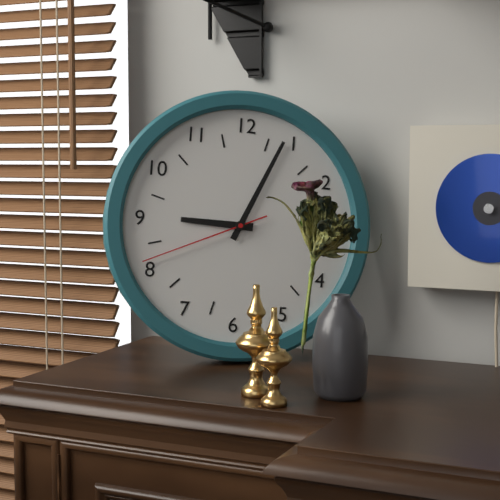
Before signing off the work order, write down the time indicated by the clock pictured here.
9:04:41
